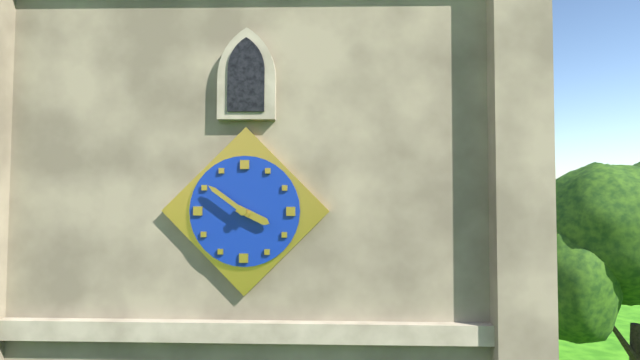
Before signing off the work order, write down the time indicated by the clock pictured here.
3:51
